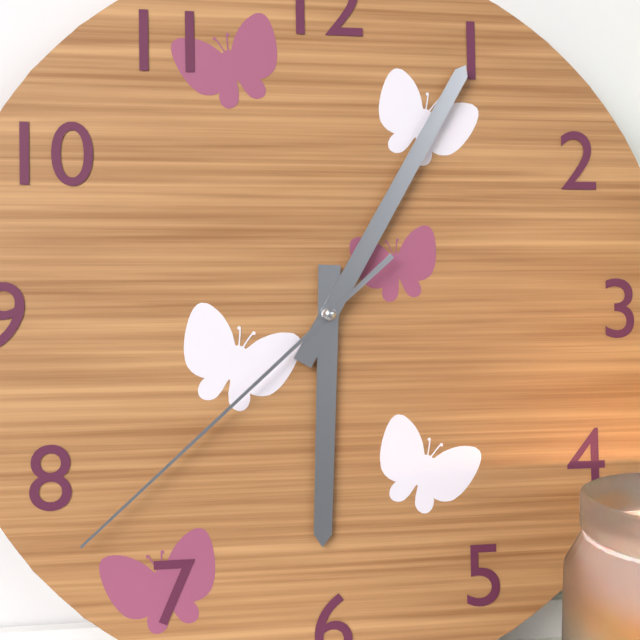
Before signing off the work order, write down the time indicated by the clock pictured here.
6:05:38
